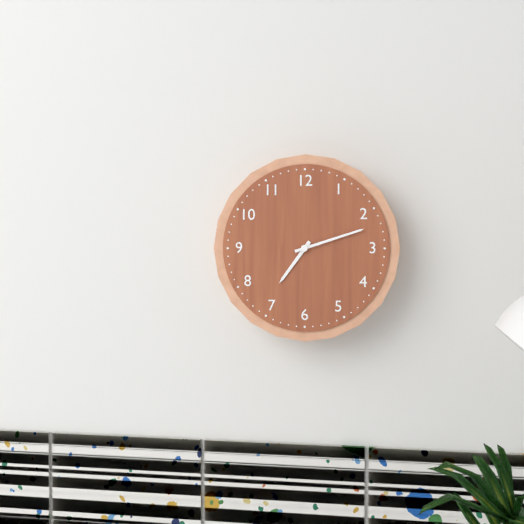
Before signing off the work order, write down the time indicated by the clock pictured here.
7:12
